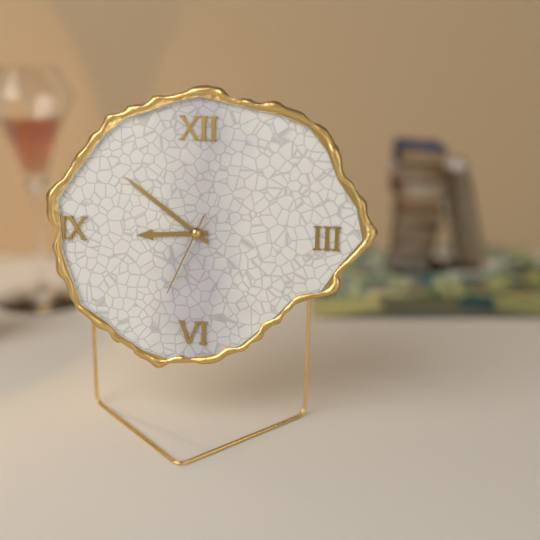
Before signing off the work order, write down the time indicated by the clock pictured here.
8:51:34
